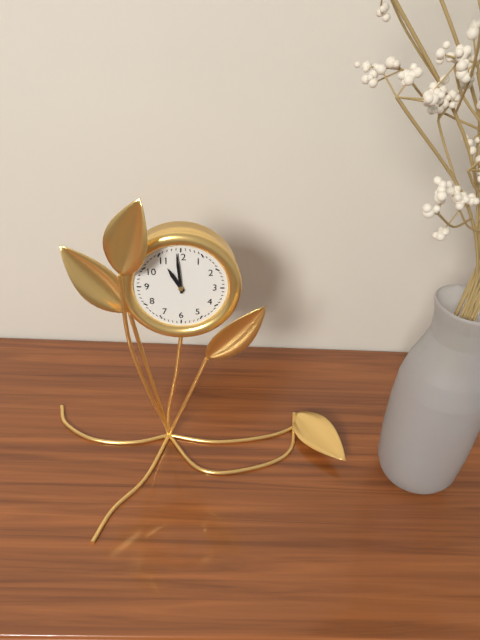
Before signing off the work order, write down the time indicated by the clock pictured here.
10:59
